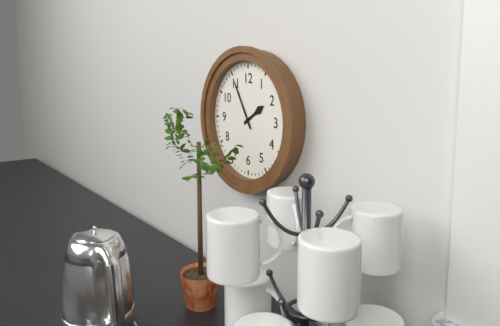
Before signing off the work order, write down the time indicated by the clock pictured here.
1:55
